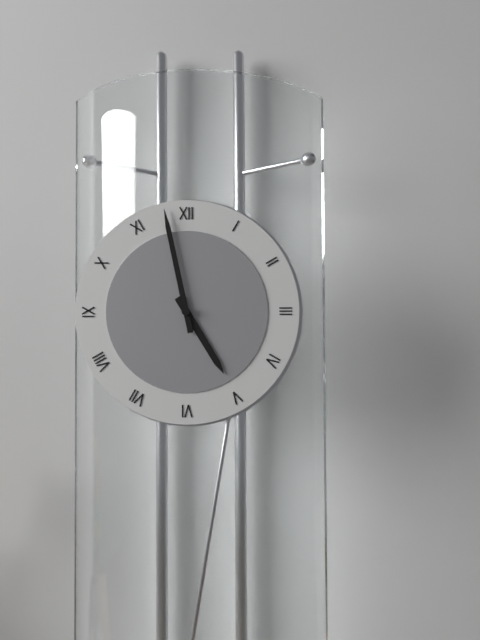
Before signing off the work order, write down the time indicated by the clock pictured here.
4:58
